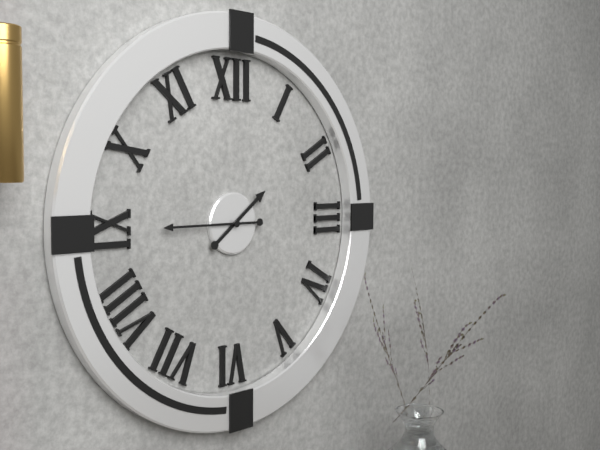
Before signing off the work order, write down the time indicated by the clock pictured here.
1:45
